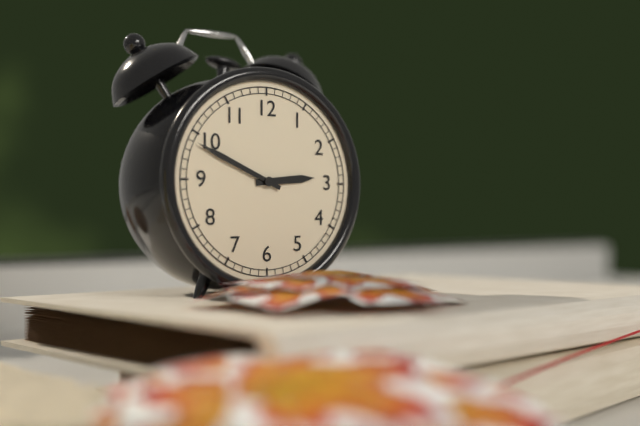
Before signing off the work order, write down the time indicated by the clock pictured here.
2:49
